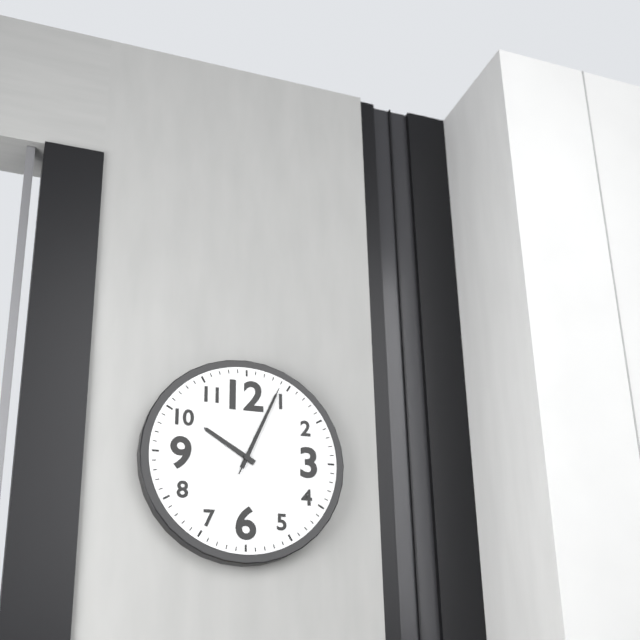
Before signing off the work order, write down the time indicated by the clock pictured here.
10:04:04
